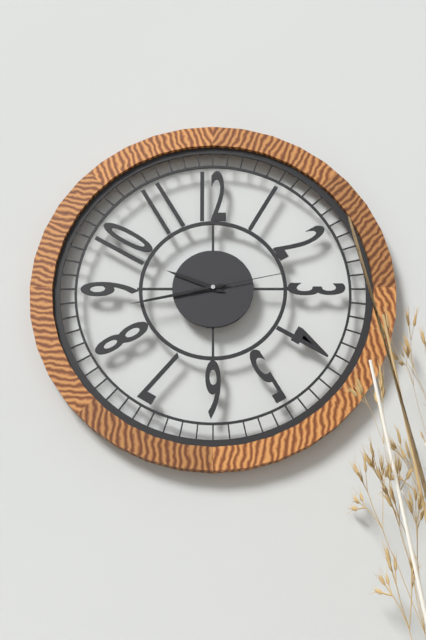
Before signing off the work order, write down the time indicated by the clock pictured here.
9:43:13
